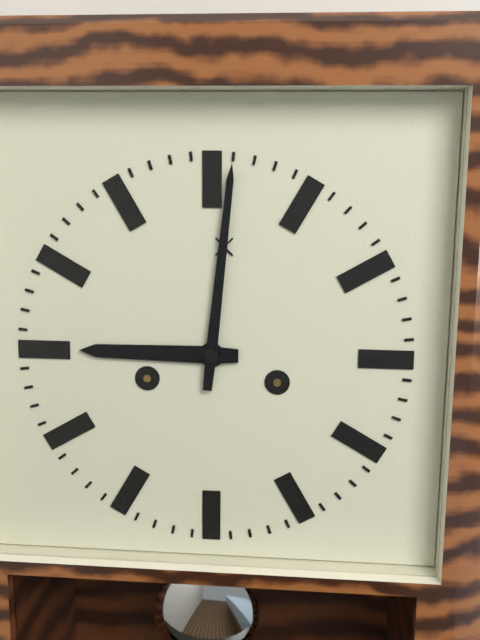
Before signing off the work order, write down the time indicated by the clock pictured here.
9:01
